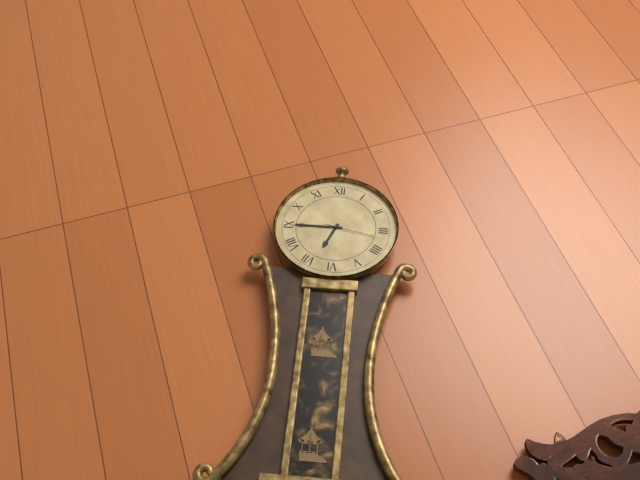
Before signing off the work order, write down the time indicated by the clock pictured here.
6:45
